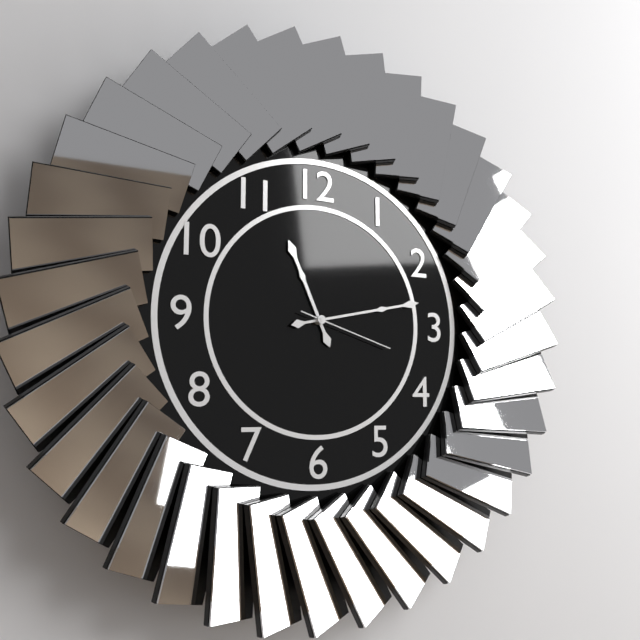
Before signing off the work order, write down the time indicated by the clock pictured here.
11:13:18
